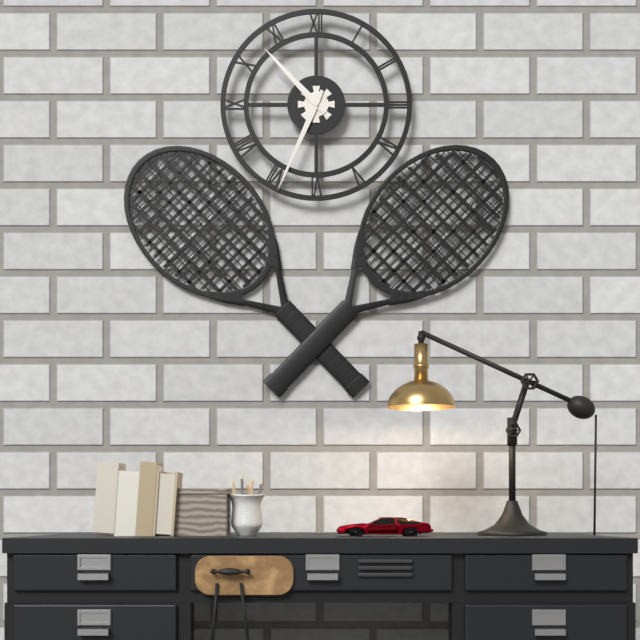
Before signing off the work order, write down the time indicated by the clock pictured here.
10:34
